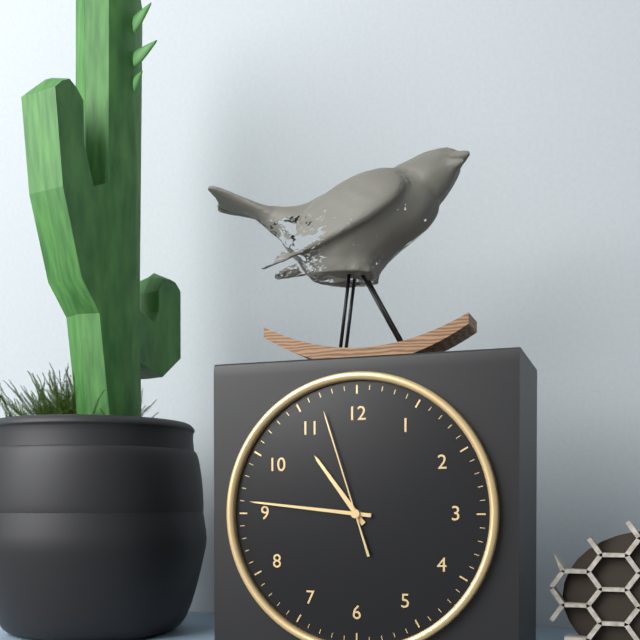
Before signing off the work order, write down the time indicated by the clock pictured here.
10:46:57
